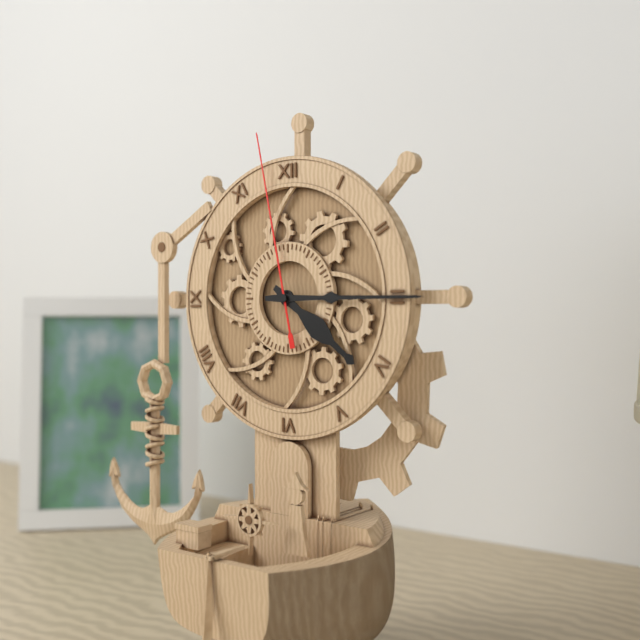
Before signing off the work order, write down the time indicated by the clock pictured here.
4:15:58
